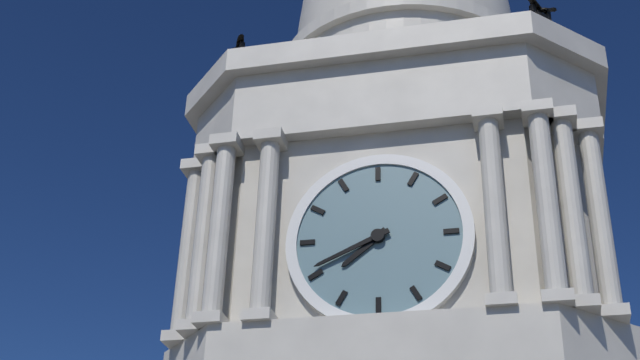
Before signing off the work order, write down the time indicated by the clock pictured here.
7:41
